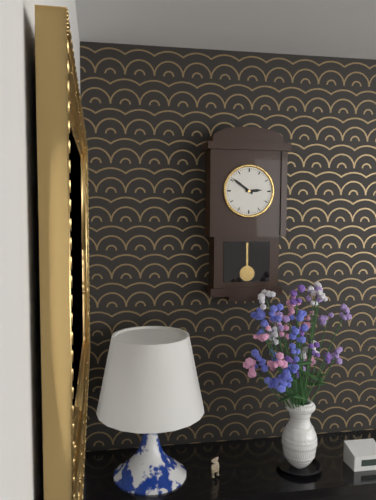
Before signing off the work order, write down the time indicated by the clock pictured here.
2:51
